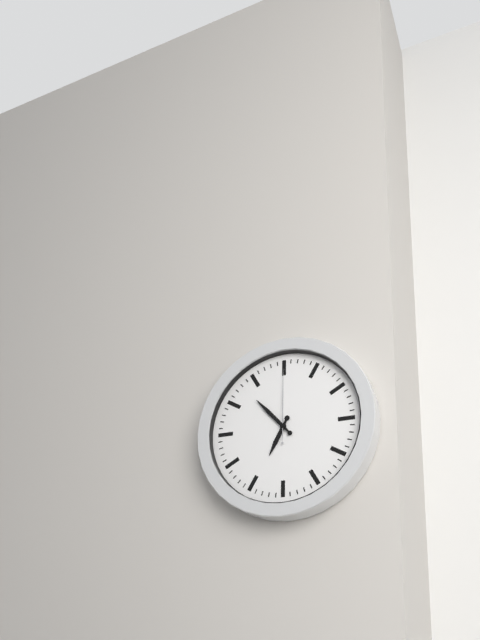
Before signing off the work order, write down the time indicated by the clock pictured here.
6:53:00
